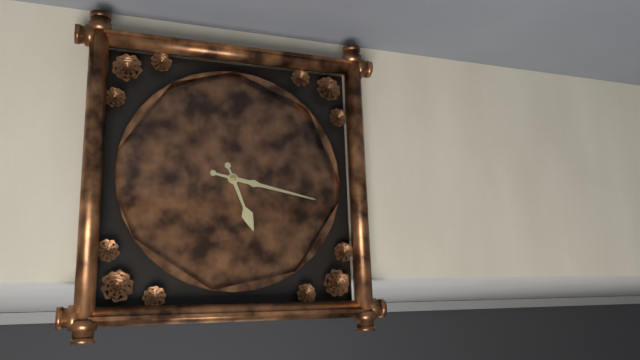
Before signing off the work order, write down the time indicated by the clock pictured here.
5:17
